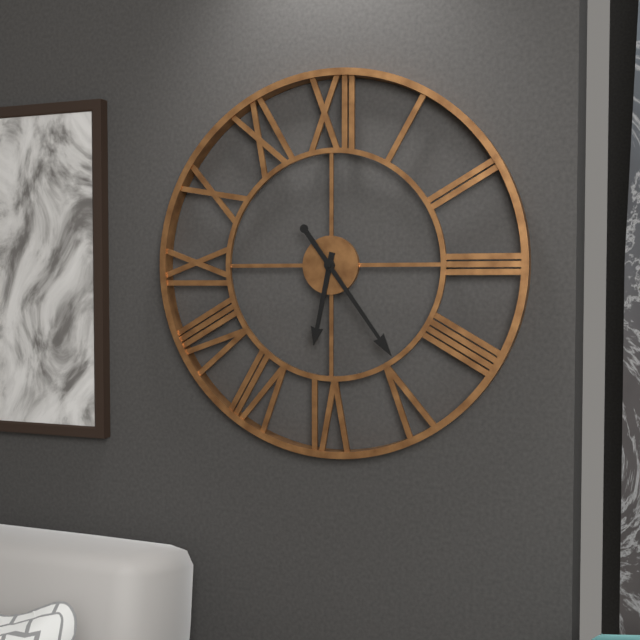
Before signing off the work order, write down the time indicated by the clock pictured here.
6:24
